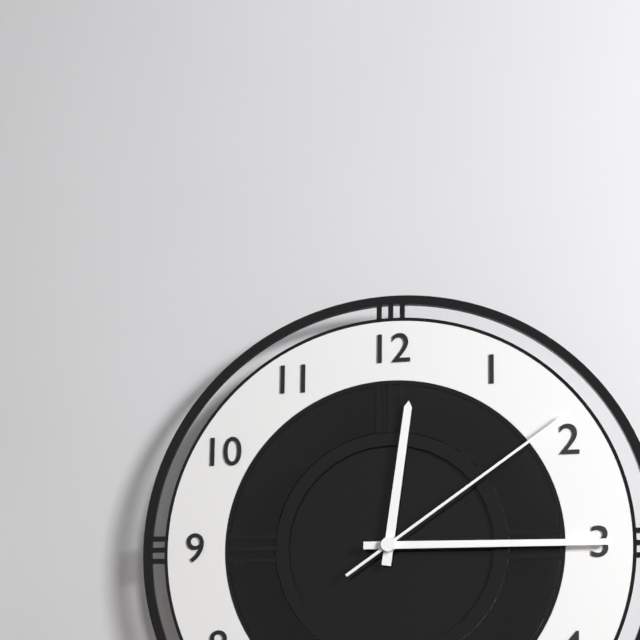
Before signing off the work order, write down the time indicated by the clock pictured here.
12:15:09
